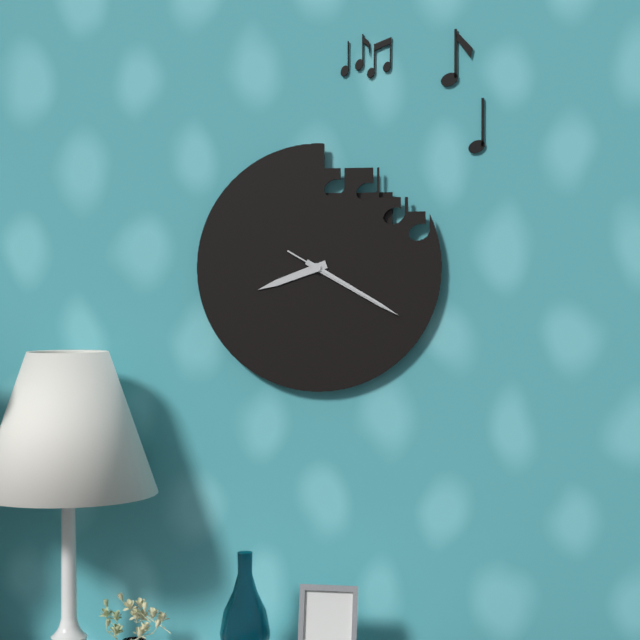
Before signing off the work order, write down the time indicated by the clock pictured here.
8:20:20
